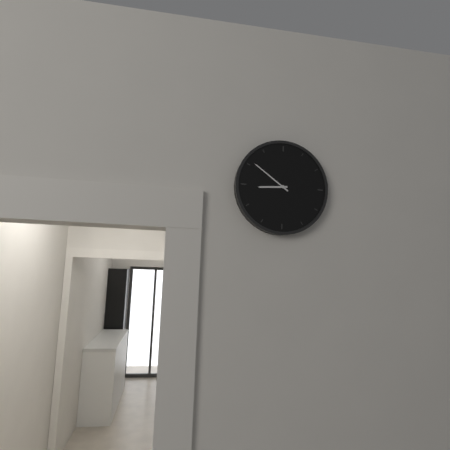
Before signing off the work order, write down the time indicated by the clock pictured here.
8:51
